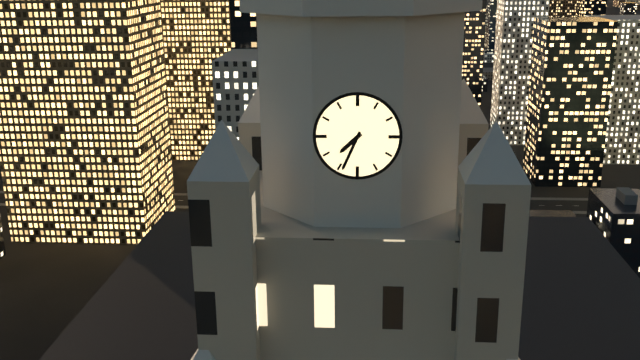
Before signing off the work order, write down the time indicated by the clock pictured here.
7:34
